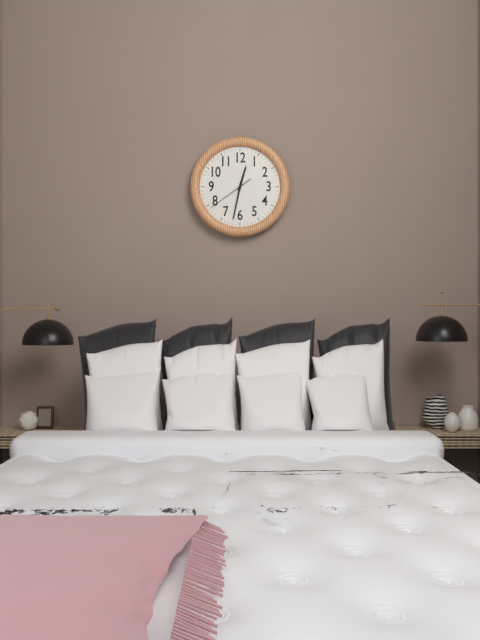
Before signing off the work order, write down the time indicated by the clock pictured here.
12:32
